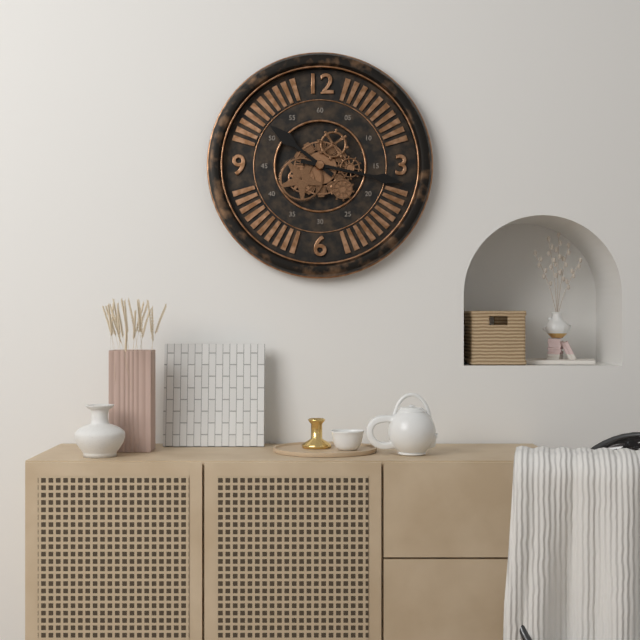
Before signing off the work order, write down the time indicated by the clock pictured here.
10:17
